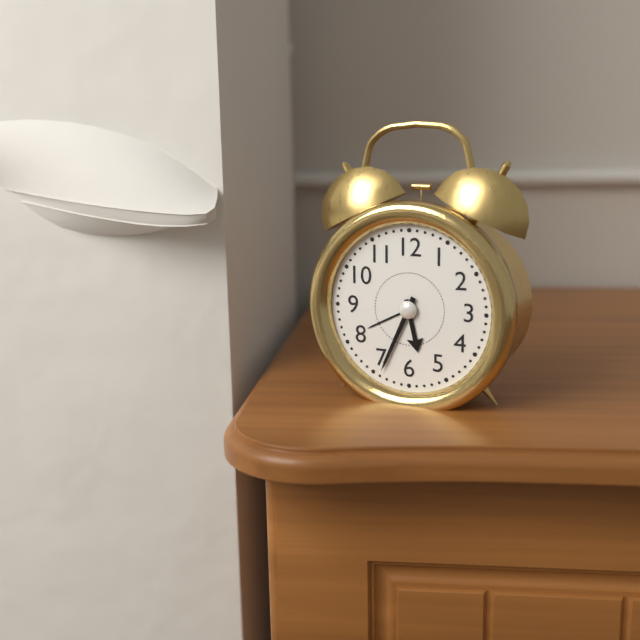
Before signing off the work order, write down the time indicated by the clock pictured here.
5:34
